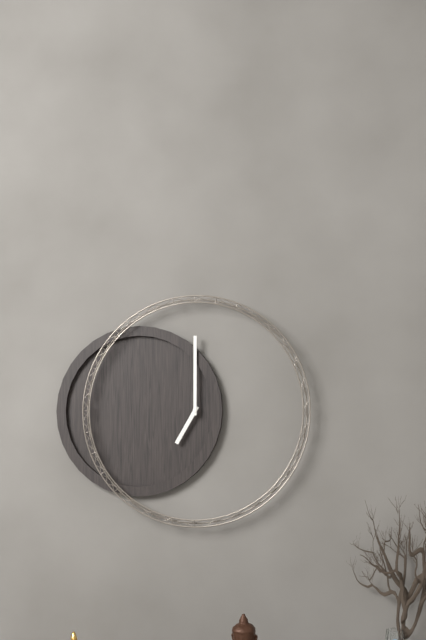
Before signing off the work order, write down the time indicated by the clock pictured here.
7:00
